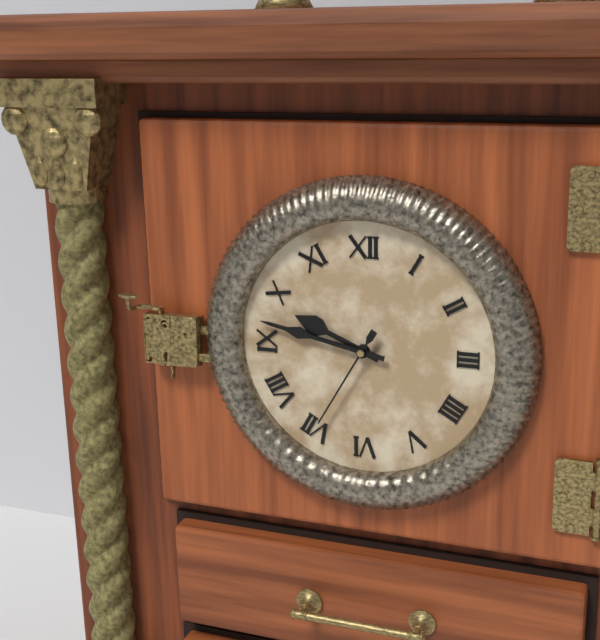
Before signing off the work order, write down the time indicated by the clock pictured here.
9:47:35
